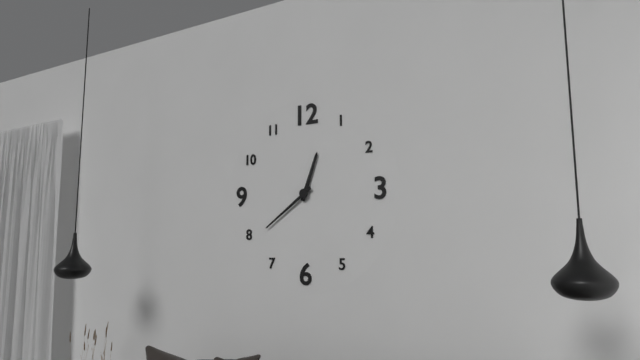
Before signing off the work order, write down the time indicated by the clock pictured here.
12:39
